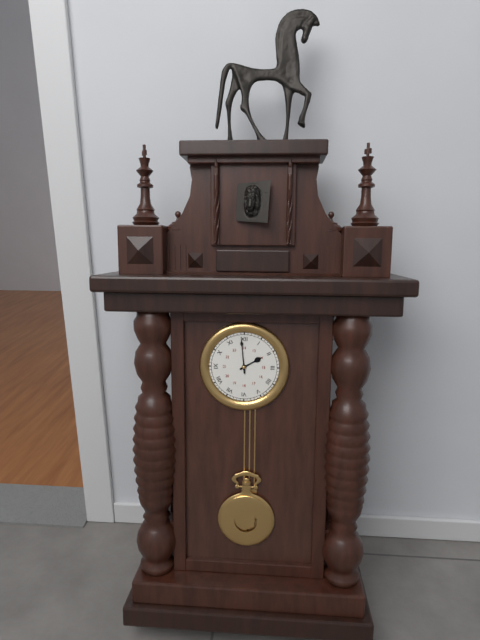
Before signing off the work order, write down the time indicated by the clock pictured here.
1:59
